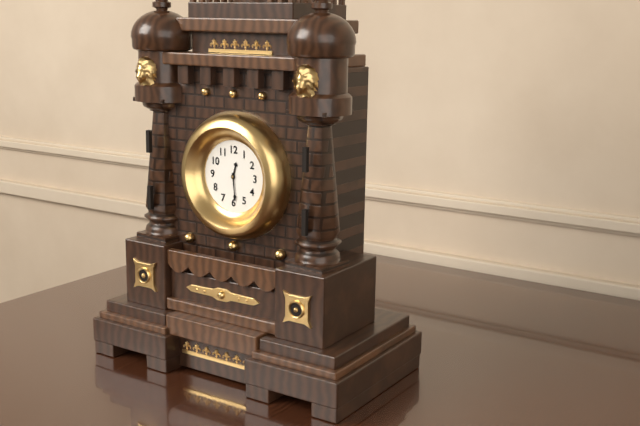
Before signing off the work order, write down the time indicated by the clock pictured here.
12:29
